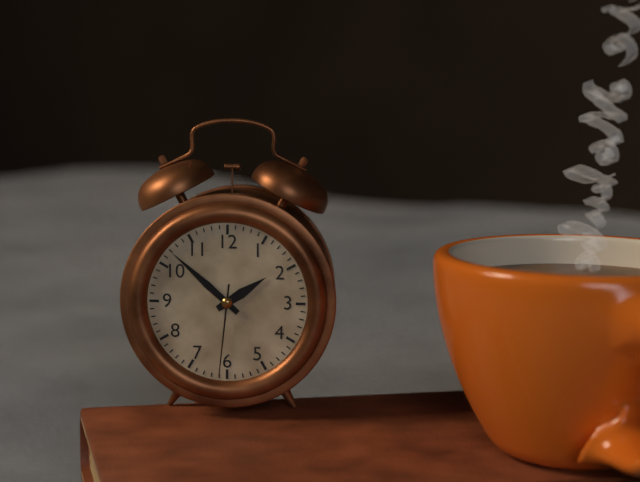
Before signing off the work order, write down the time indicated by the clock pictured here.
1:52:31
